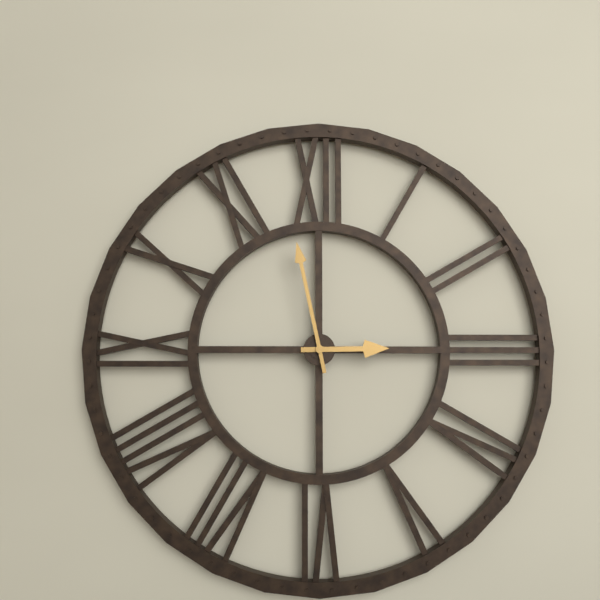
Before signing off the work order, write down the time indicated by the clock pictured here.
2:58
